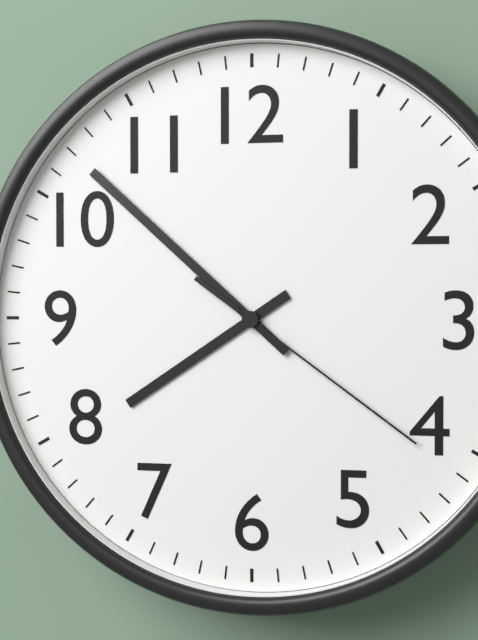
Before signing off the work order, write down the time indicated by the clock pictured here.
7:52:21
